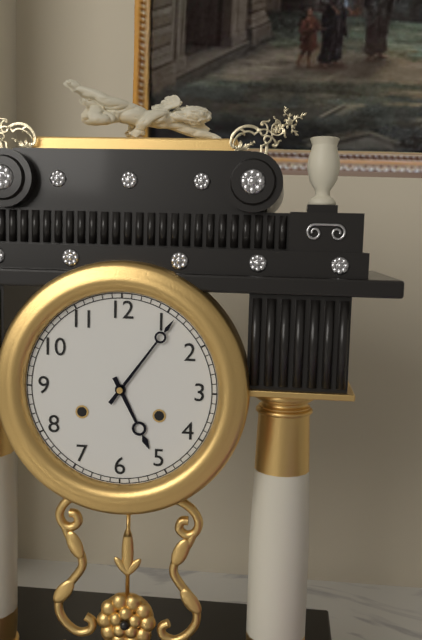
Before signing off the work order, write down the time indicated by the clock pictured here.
5:06
